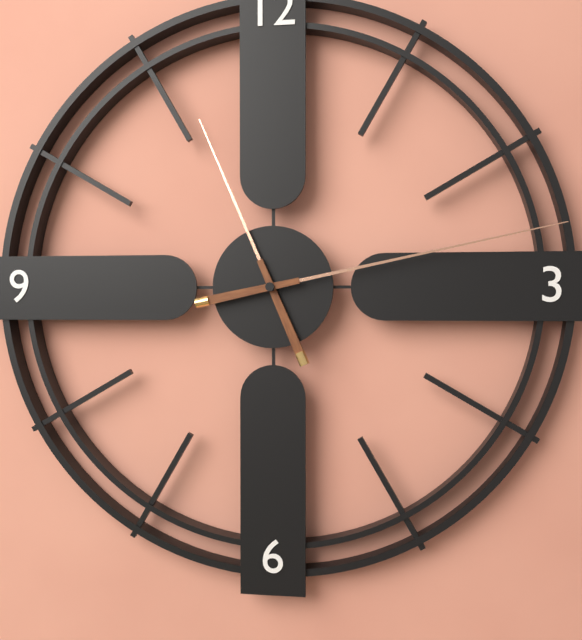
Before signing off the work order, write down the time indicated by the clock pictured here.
11:13
